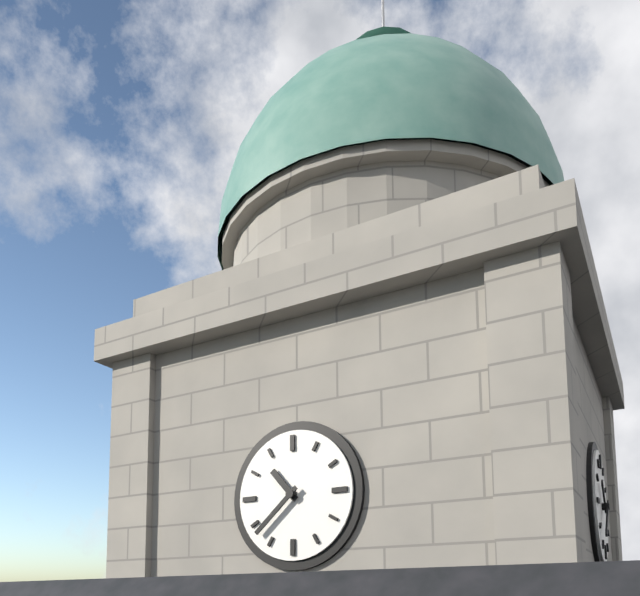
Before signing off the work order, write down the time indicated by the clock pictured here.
10:38
